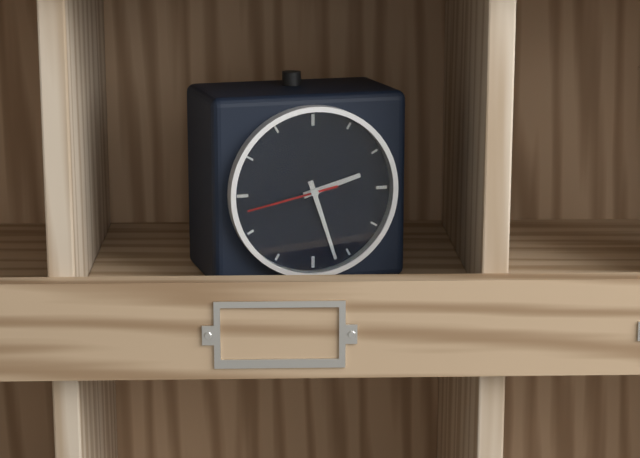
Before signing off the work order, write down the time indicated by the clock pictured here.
2:27:43
